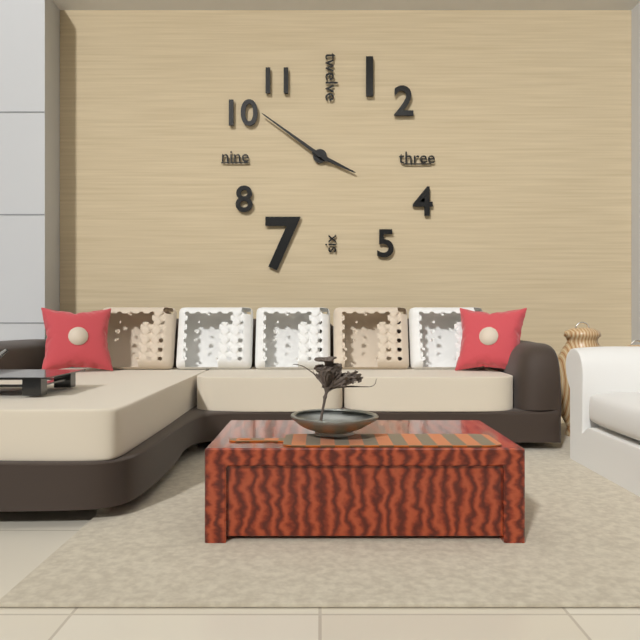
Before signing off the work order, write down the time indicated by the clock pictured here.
3:51
